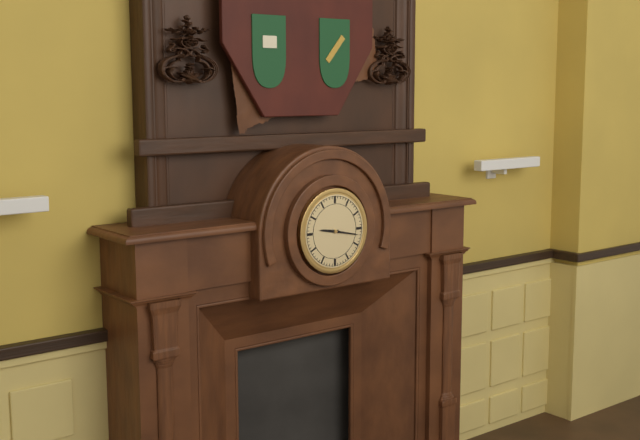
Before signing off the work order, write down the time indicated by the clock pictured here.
9:17
